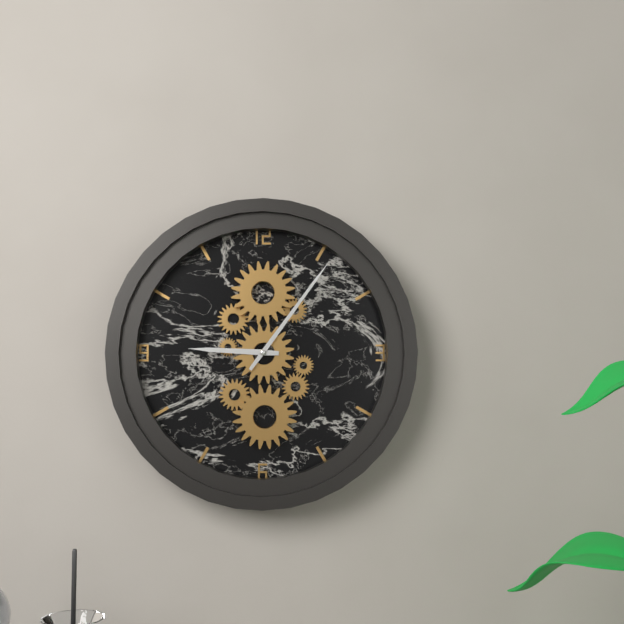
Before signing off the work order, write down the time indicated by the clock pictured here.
9:06
